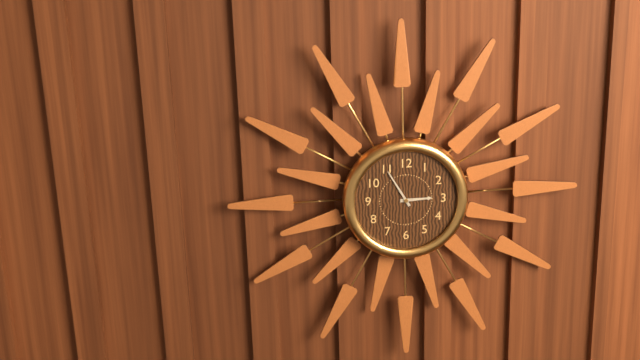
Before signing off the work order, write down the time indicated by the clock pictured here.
2:55
